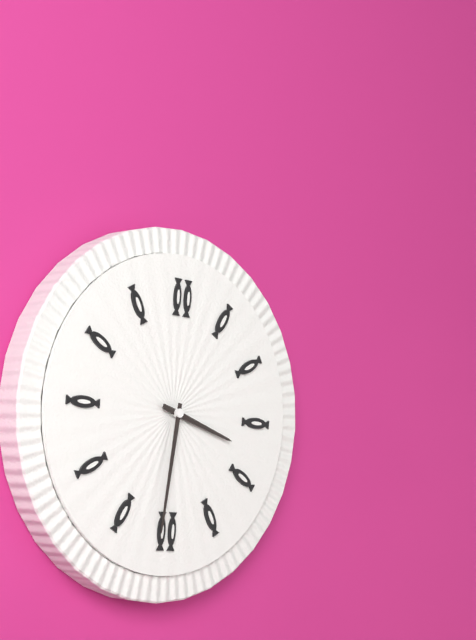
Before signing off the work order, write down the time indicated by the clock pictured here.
3:31
